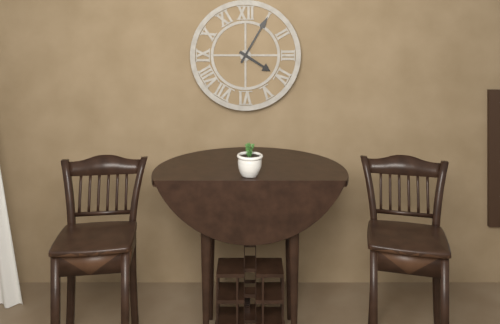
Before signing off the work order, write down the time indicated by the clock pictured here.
4:05
